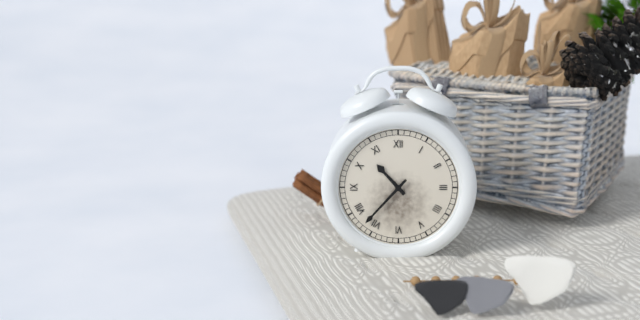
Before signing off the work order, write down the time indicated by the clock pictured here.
10:37
